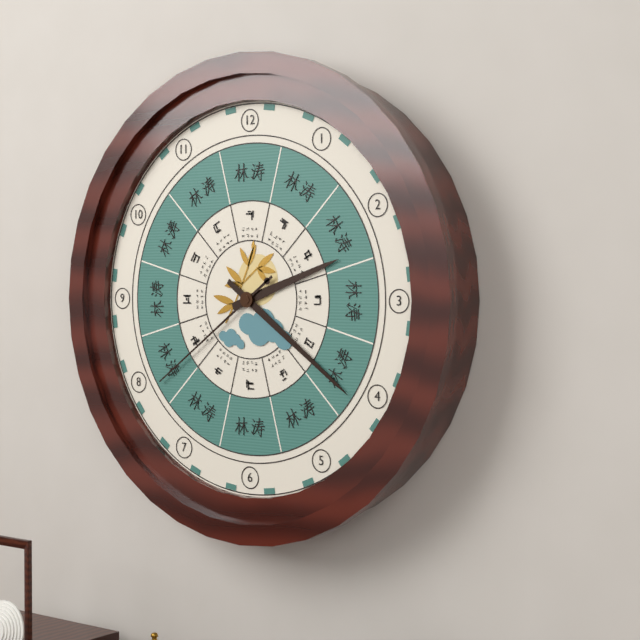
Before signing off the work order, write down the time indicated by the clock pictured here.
2:21:39
